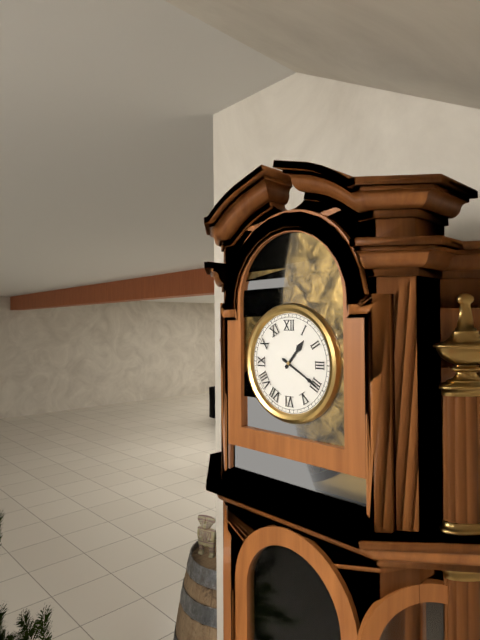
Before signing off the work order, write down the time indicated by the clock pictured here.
1:20
